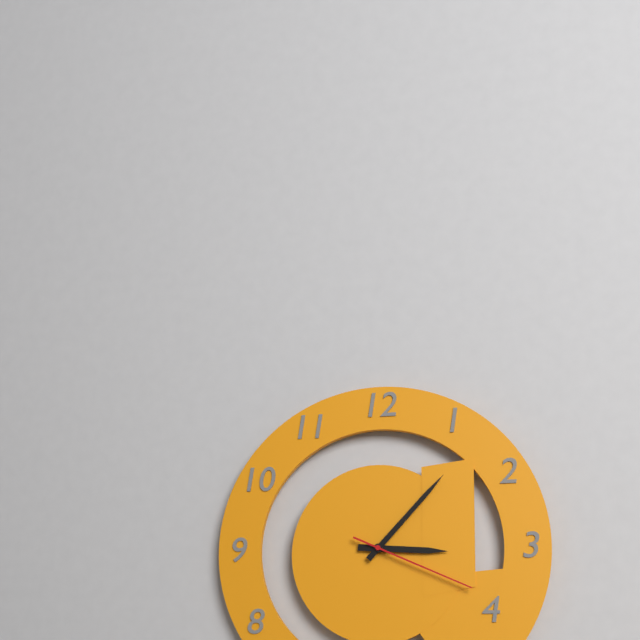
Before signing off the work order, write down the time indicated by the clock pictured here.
3:07:19
